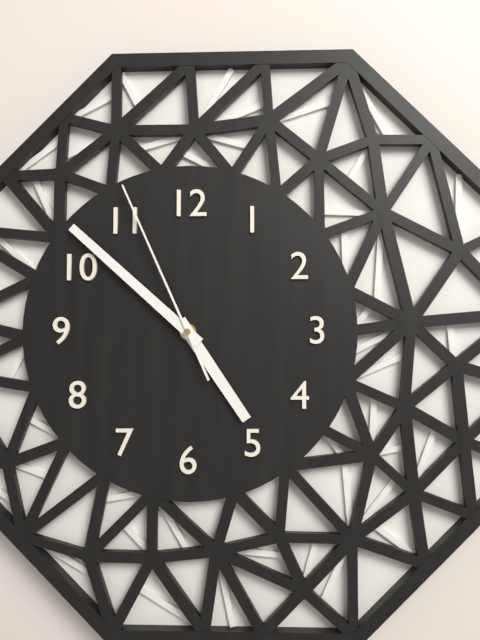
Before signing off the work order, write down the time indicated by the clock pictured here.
4:52:56
